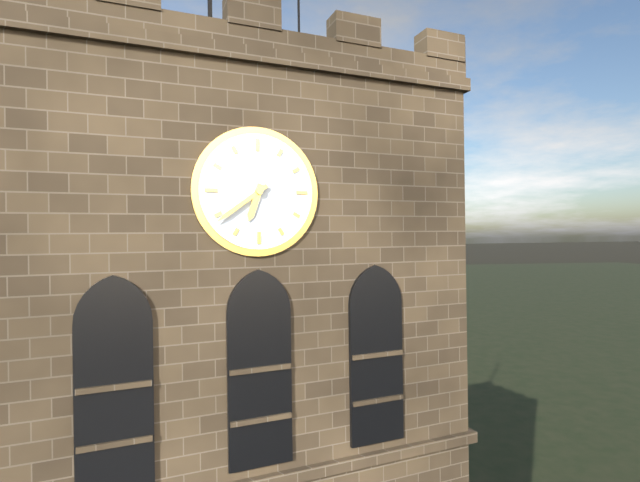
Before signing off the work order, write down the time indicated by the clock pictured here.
6:39
